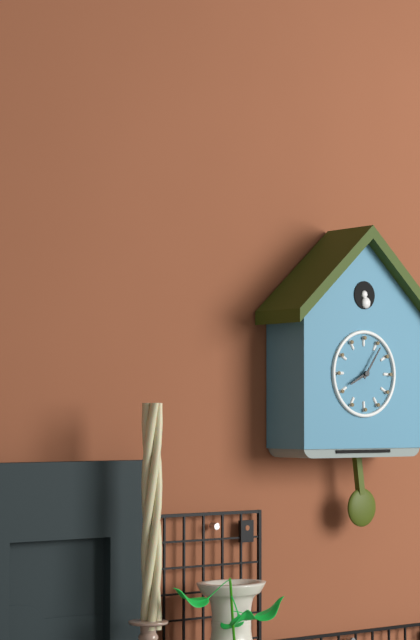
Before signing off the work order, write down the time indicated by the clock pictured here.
8:06
